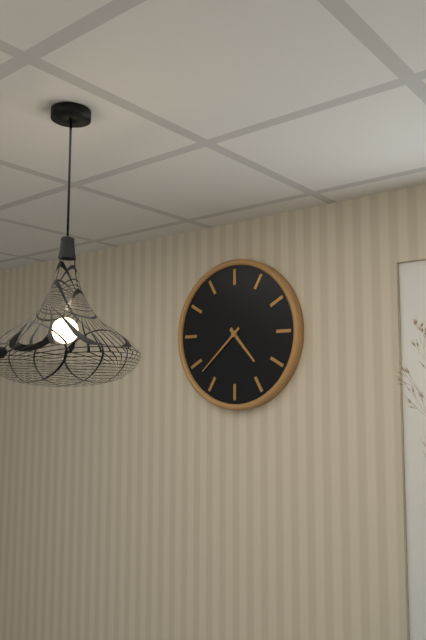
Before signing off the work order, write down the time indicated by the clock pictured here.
4:38
